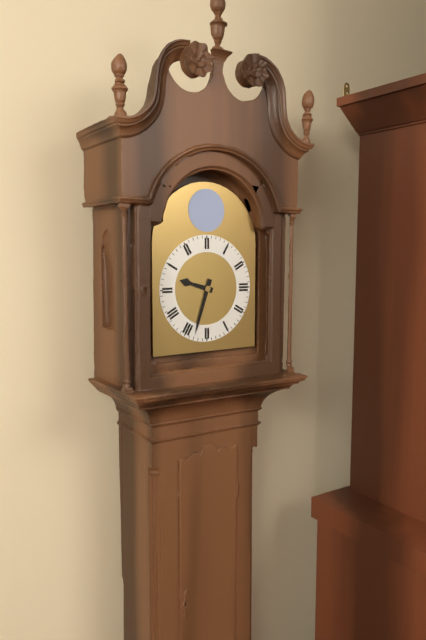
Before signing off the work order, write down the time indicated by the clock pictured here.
9:33
